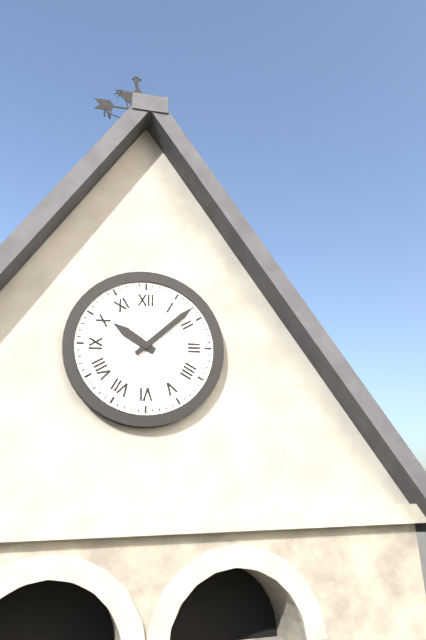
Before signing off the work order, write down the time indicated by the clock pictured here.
10:08
